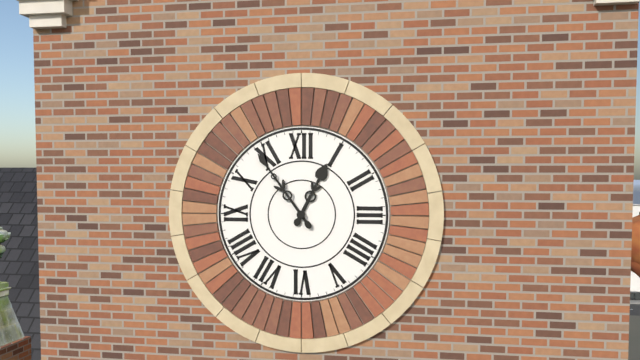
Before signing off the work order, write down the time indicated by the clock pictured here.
12:54
